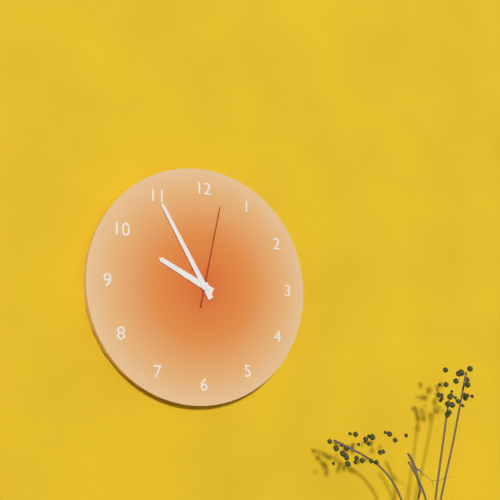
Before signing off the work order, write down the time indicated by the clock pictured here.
9:55:02
